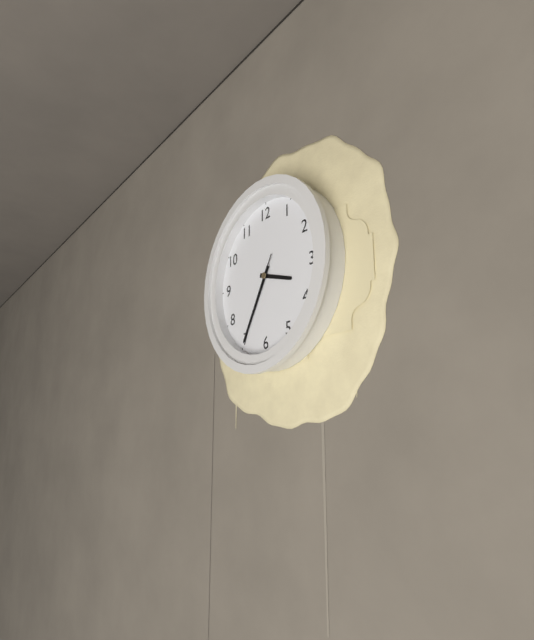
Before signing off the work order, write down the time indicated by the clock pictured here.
3:35:35
